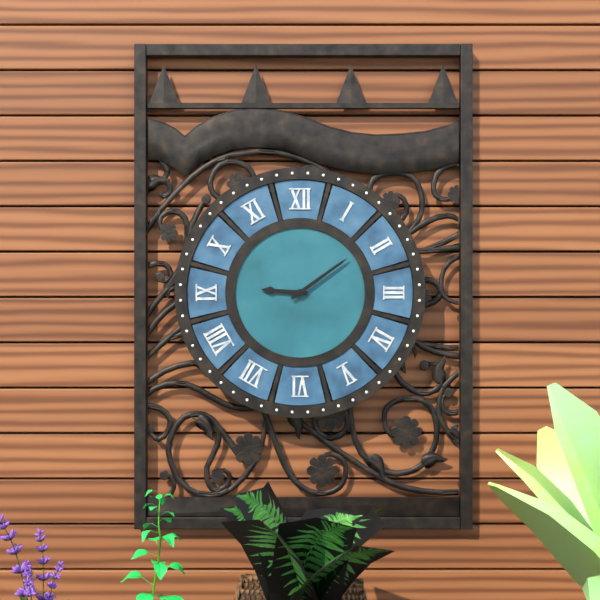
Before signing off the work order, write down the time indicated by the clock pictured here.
9:09
